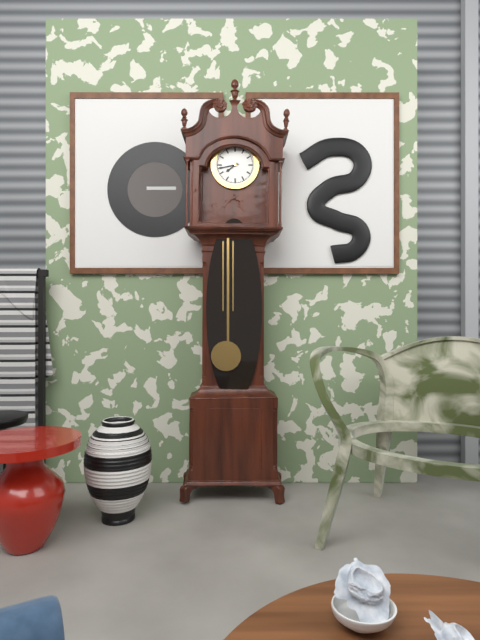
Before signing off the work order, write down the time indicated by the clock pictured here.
7:43
